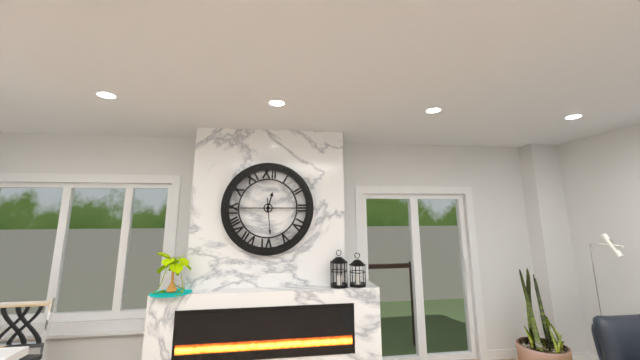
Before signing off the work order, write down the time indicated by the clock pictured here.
12:29
